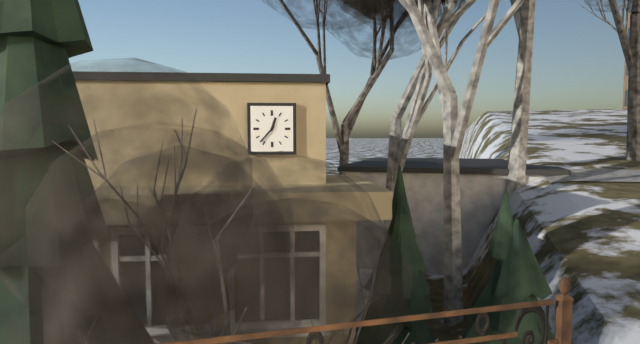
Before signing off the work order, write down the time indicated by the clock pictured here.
12:37
